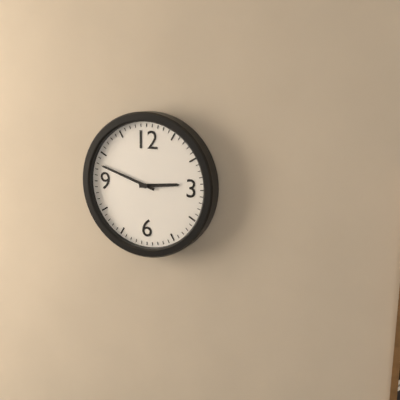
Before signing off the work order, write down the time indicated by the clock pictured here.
2:48
